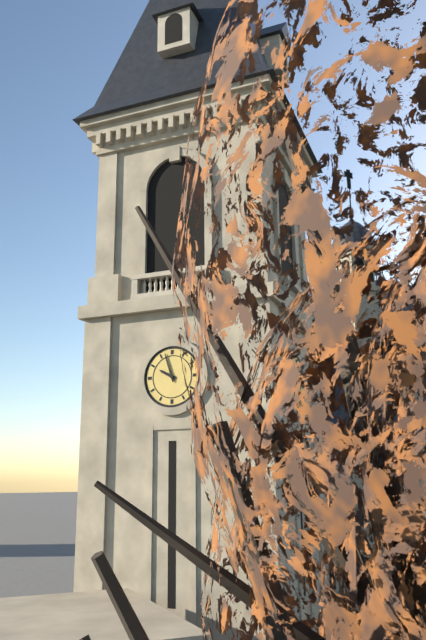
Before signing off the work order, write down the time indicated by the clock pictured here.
9:57
